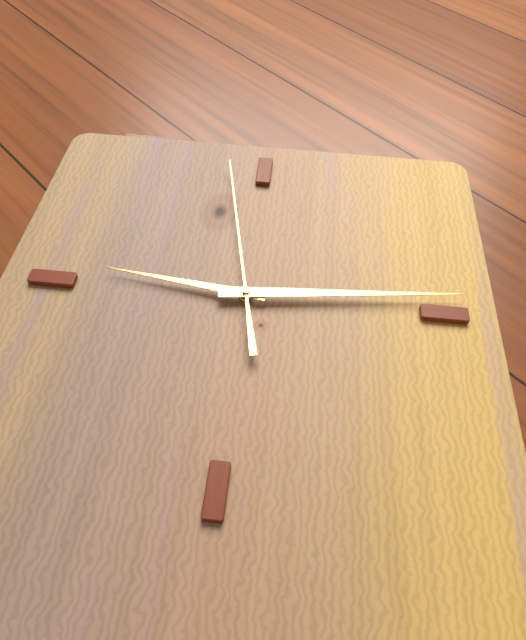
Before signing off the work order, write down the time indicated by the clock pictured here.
9:14:58
